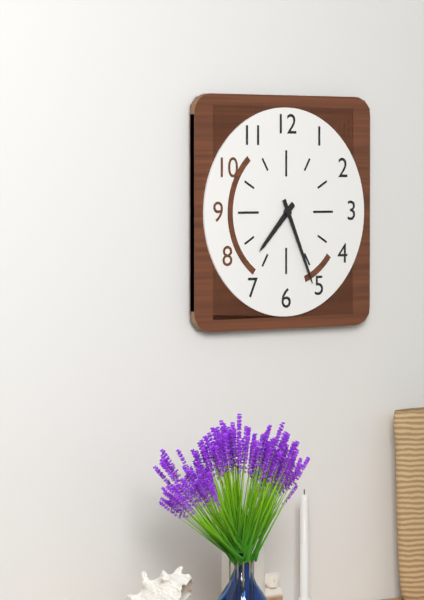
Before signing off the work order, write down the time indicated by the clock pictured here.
7:26
